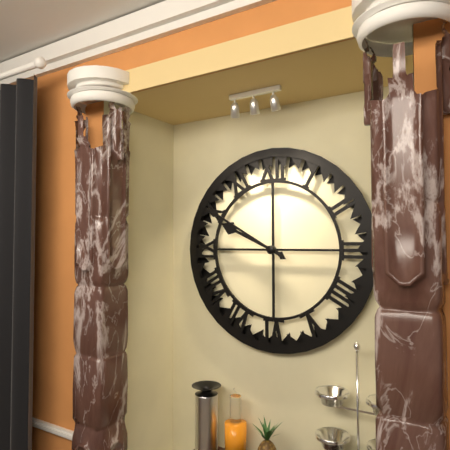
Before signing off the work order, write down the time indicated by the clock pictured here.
9:50
